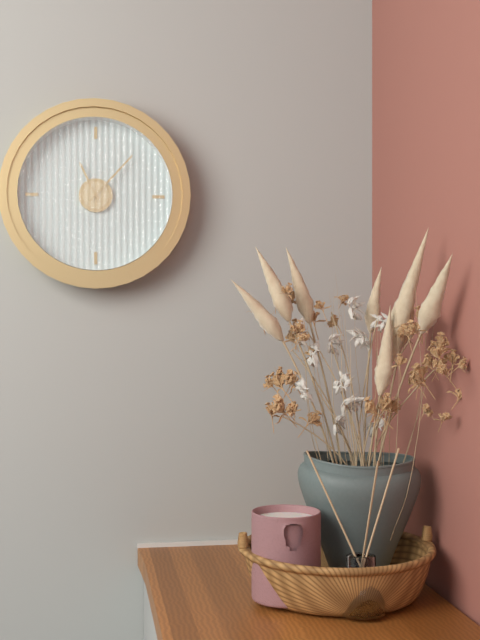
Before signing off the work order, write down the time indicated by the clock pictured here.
11:07
